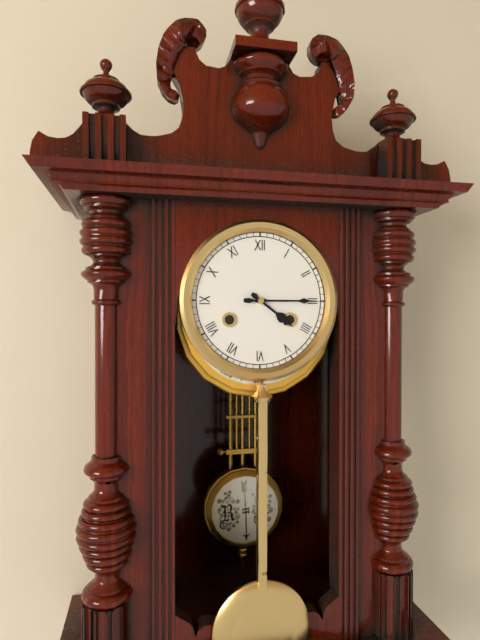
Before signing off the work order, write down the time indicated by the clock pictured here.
4:15
